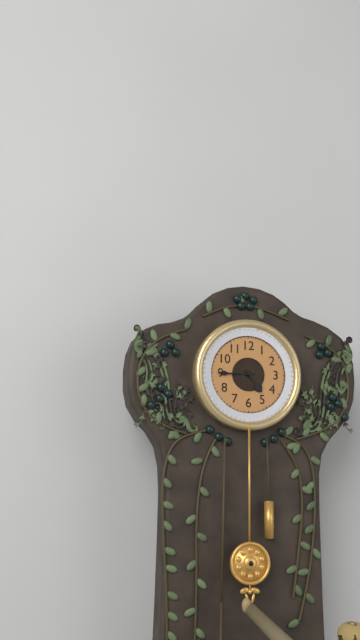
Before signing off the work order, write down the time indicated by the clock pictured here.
4:45
